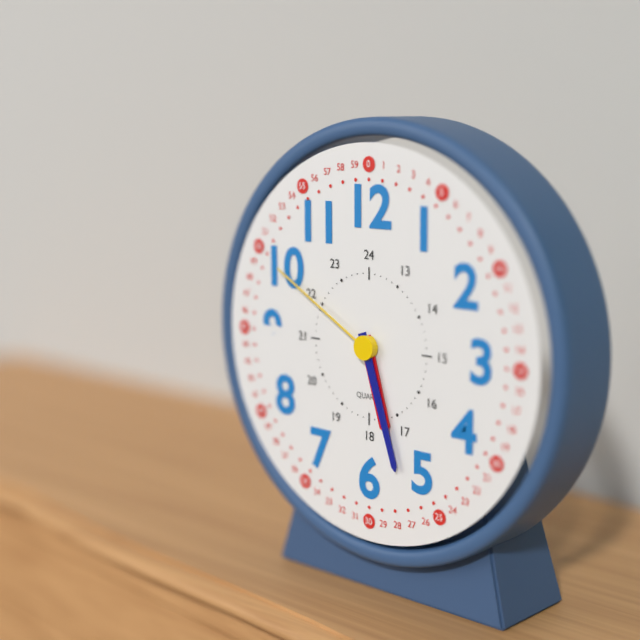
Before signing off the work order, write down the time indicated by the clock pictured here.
5:27:50
